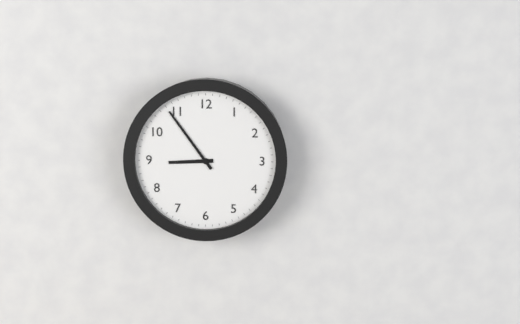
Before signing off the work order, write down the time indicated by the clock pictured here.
8:54
